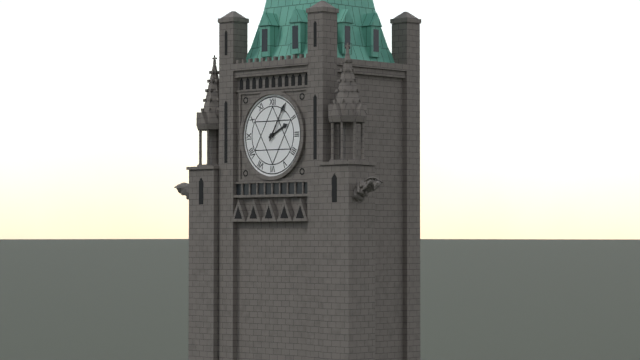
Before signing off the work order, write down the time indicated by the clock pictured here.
2:05
